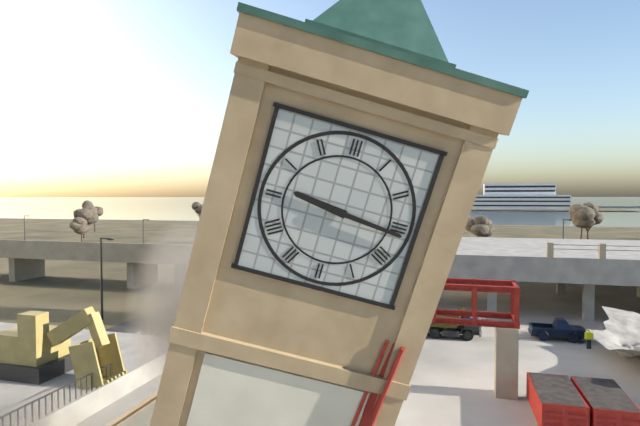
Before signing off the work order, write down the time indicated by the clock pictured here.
9:16
